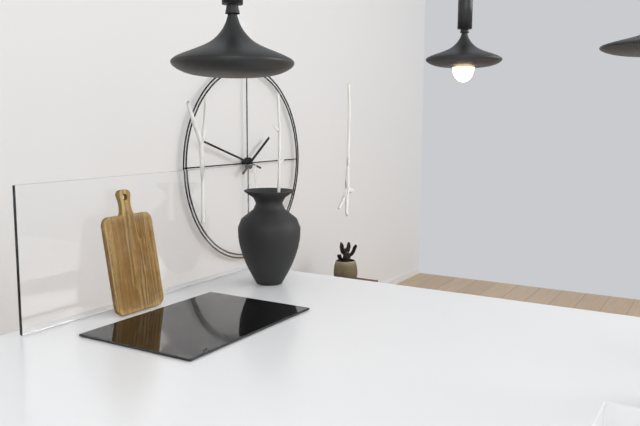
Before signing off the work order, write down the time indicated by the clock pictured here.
1:48
